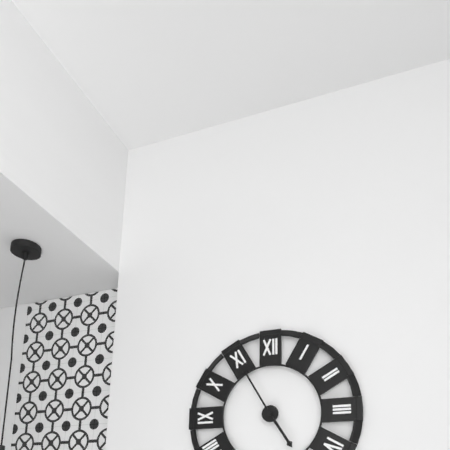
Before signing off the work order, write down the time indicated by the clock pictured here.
4:55
